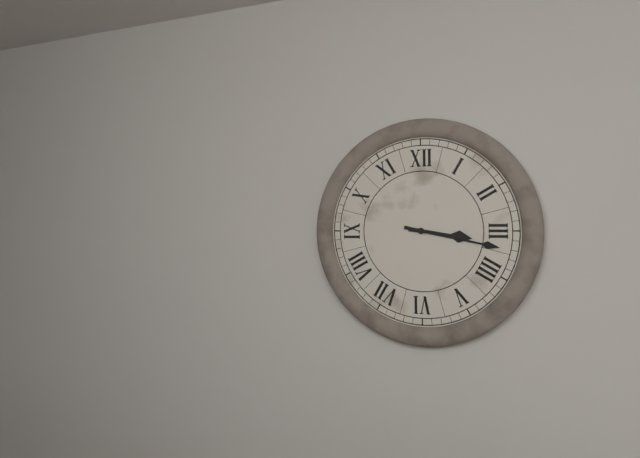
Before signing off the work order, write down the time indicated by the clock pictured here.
3:17
